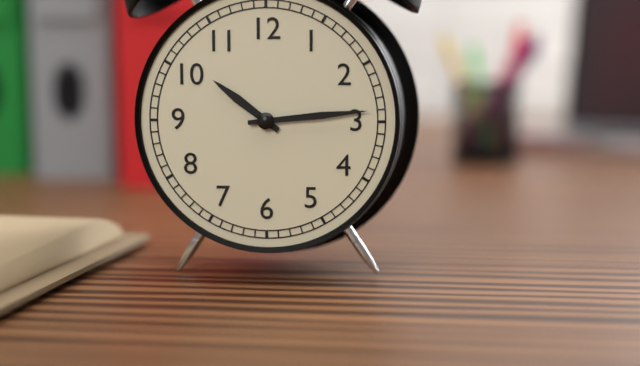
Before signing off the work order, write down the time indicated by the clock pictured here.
10:14
